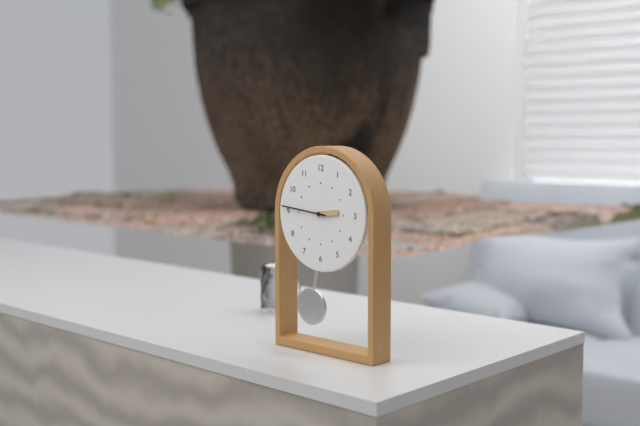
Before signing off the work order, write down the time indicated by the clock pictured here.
2:46
